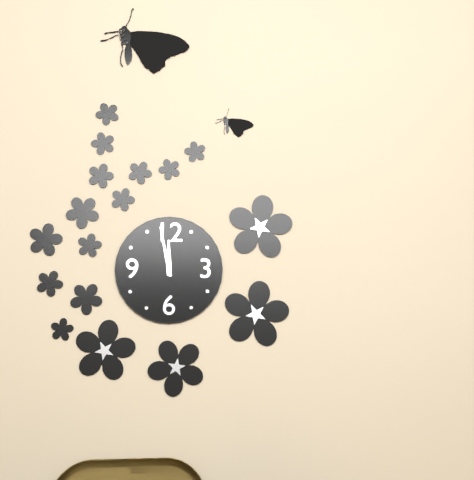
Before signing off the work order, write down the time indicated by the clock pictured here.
11:58
